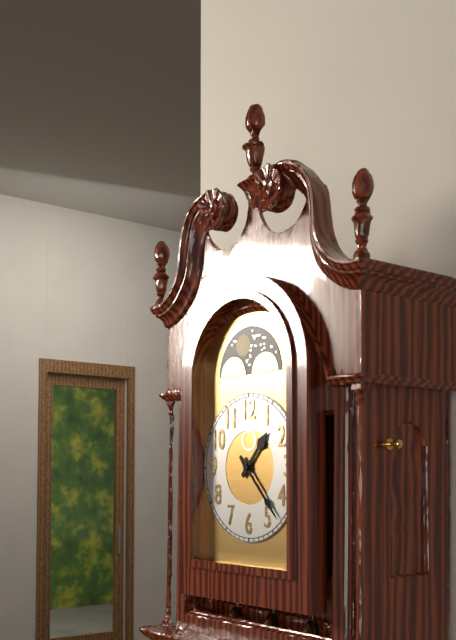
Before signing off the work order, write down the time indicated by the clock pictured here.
1:23
